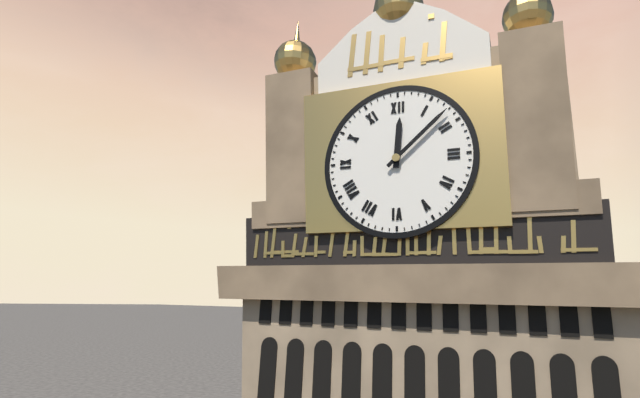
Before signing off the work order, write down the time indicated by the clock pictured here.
12:08
